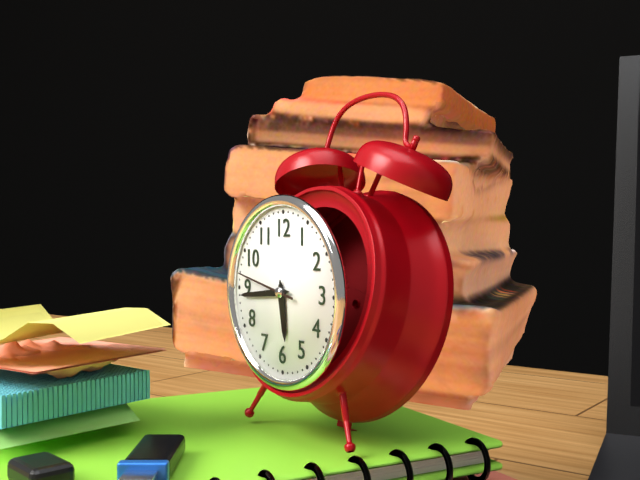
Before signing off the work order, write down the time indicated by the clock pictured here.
5:44:47
